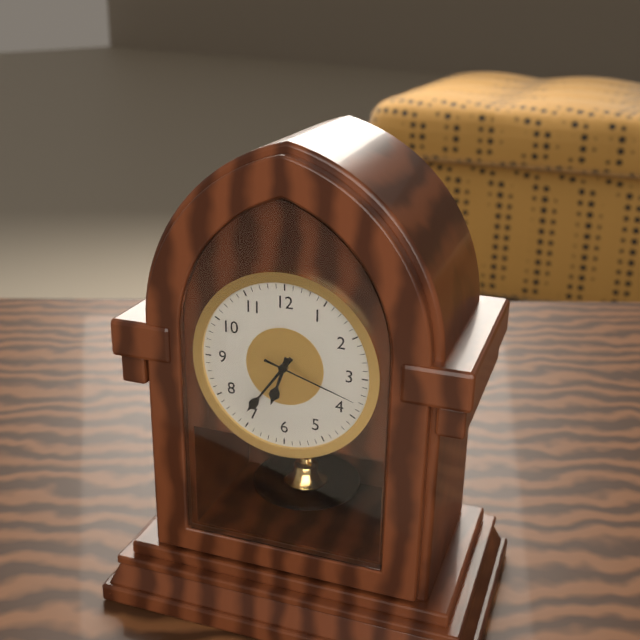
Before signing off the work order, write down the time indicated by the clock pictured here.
6:36:18
